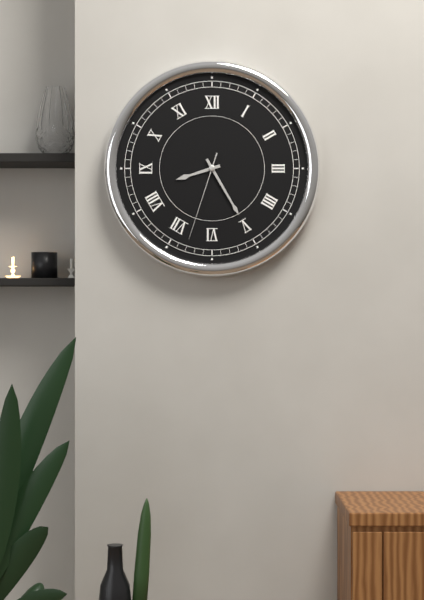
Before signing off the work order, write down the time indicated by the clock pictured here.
8:25:33
